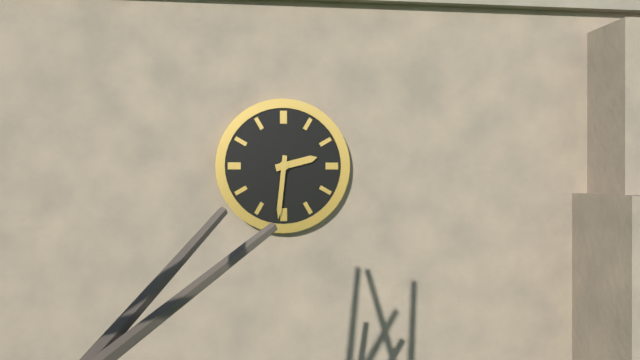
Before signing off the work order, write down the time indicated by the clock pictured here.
2:31
